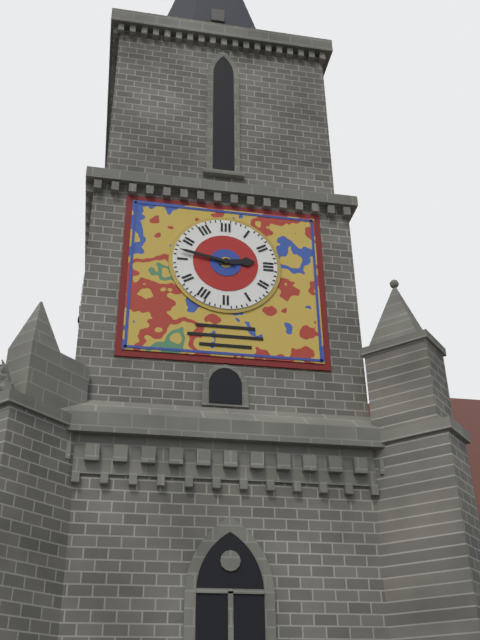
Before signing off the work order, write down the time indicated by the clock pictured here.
2:47
